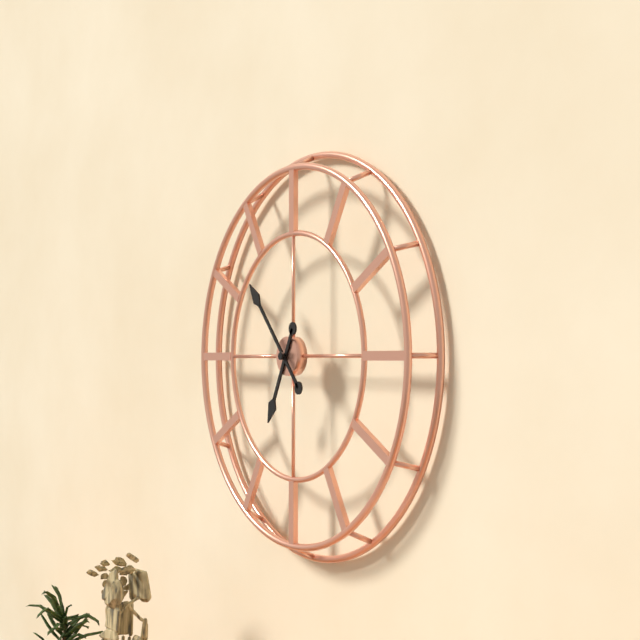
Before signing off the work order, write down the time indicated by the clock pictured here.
6:53
